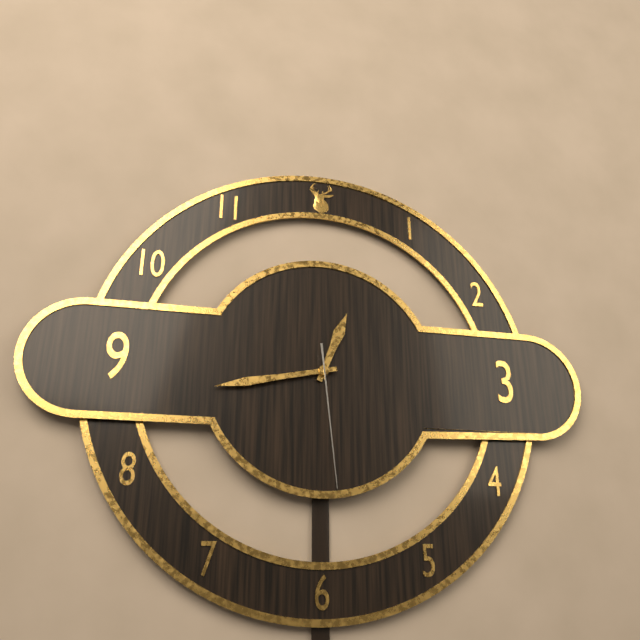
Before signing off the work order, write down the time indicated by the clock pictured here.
12:43:29
